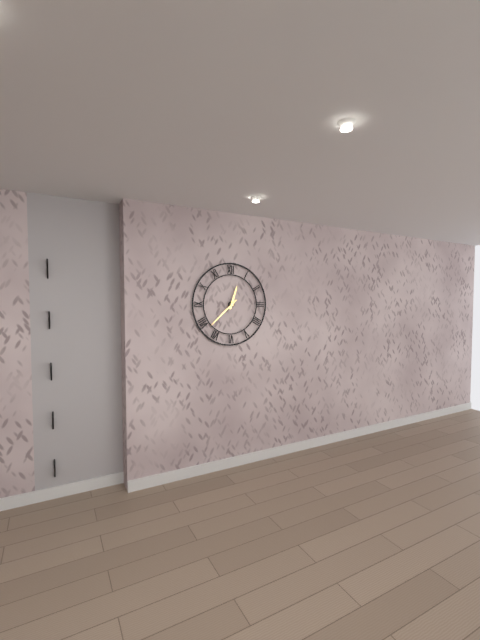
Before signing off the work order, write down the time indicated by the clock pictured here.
12:38
